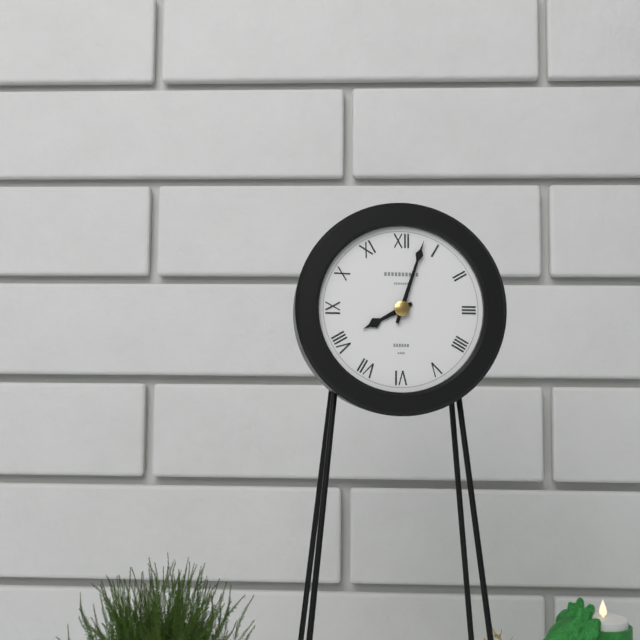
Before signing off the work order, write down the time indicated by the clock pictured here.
8:03
